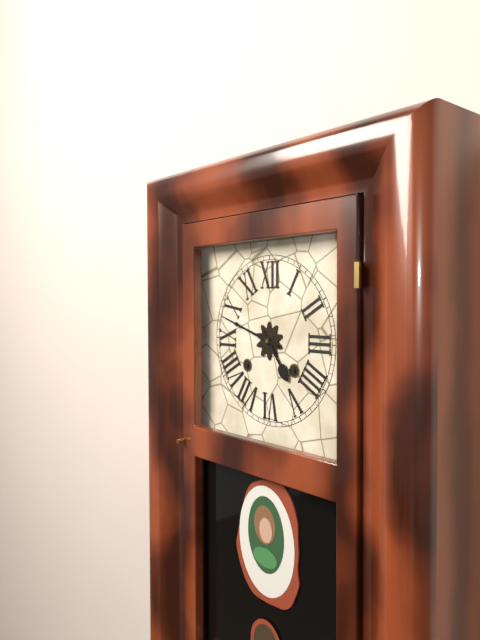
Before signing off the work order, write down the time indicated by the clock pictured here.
4:48
